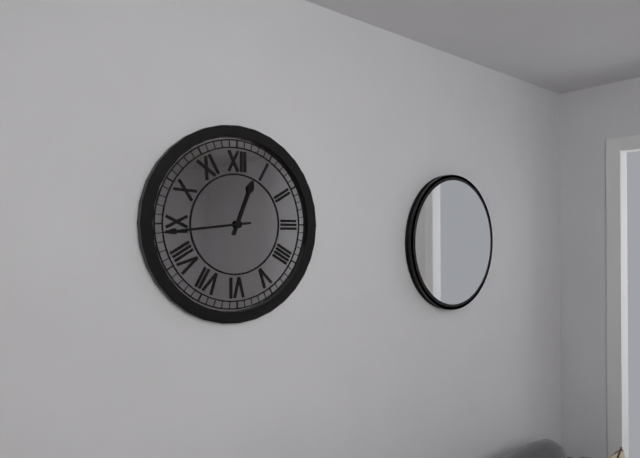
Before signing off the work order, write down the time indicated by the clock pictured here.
12:44
